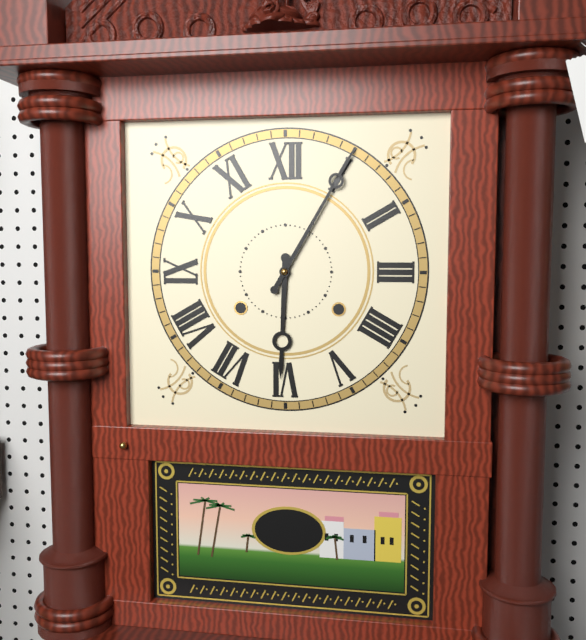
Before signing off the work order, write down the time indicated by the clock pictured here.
6:05
